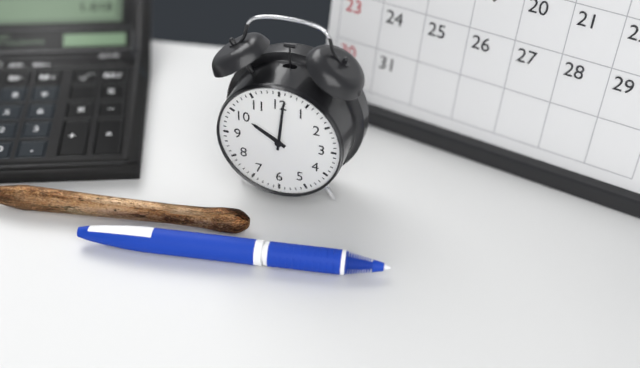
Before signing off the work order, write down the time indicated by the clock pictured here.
10:01
